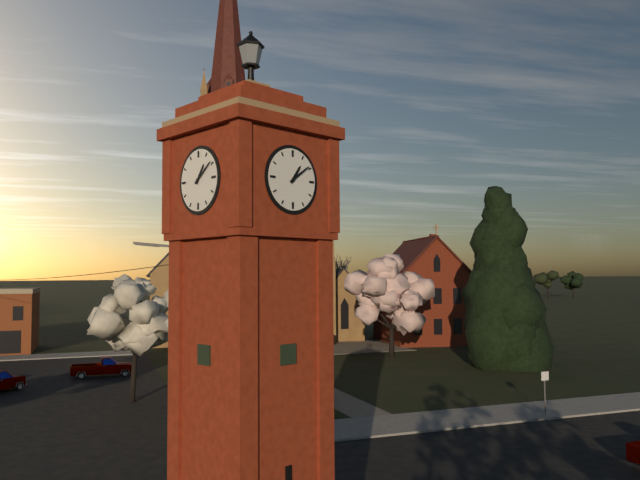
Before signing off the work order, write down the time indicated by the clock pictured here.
1:09
